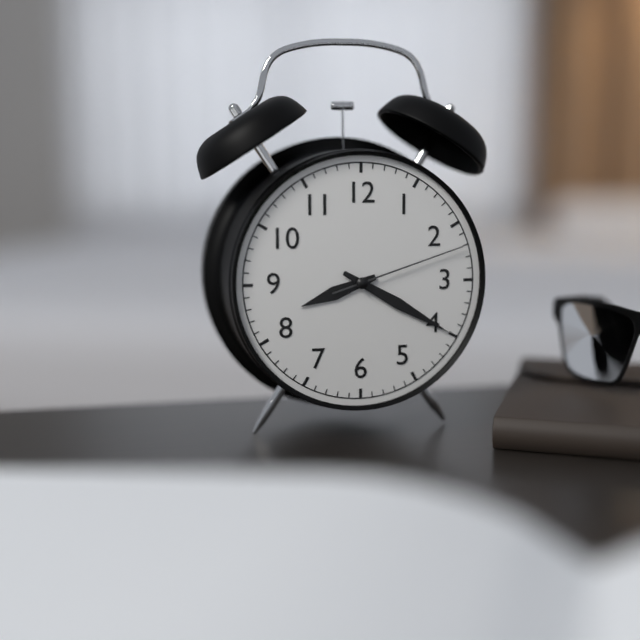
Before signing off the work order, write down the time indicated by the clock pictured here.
8:20:12
